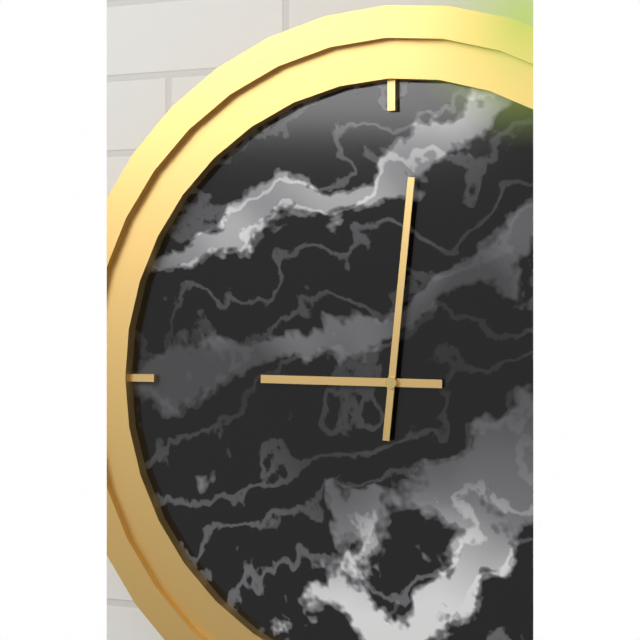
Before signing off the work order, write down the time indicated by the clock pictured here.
9:01
